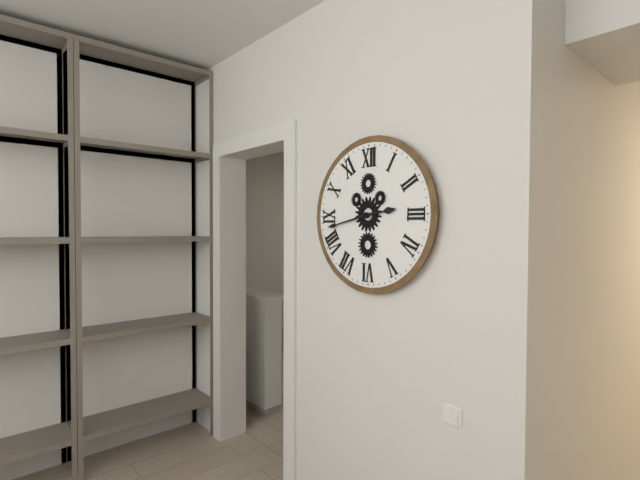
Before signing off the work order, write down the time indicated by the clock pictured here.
2:43
